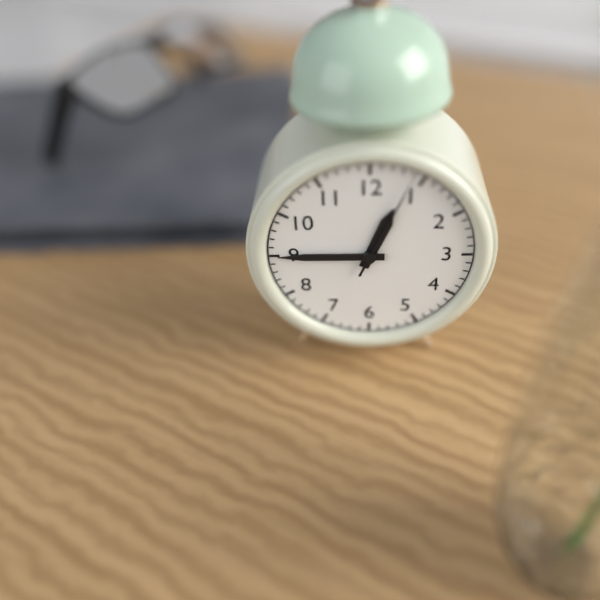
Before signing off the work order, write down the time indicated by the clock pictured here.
12:45:04
